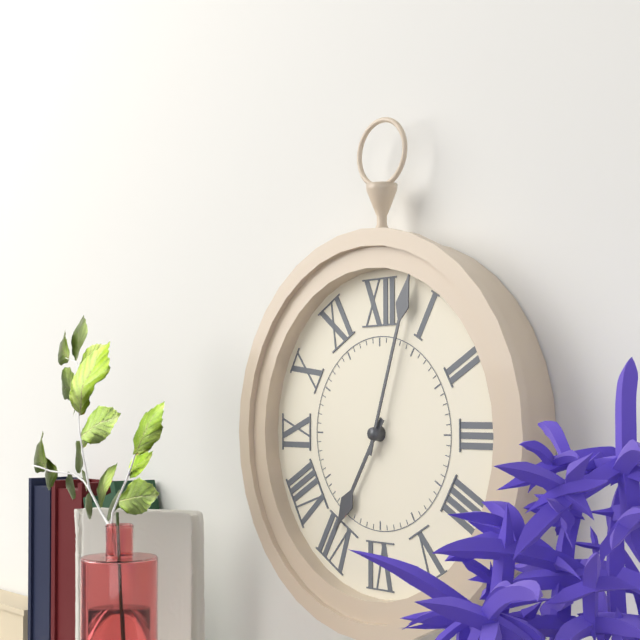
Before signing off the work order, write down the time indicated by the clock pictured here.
7:03
